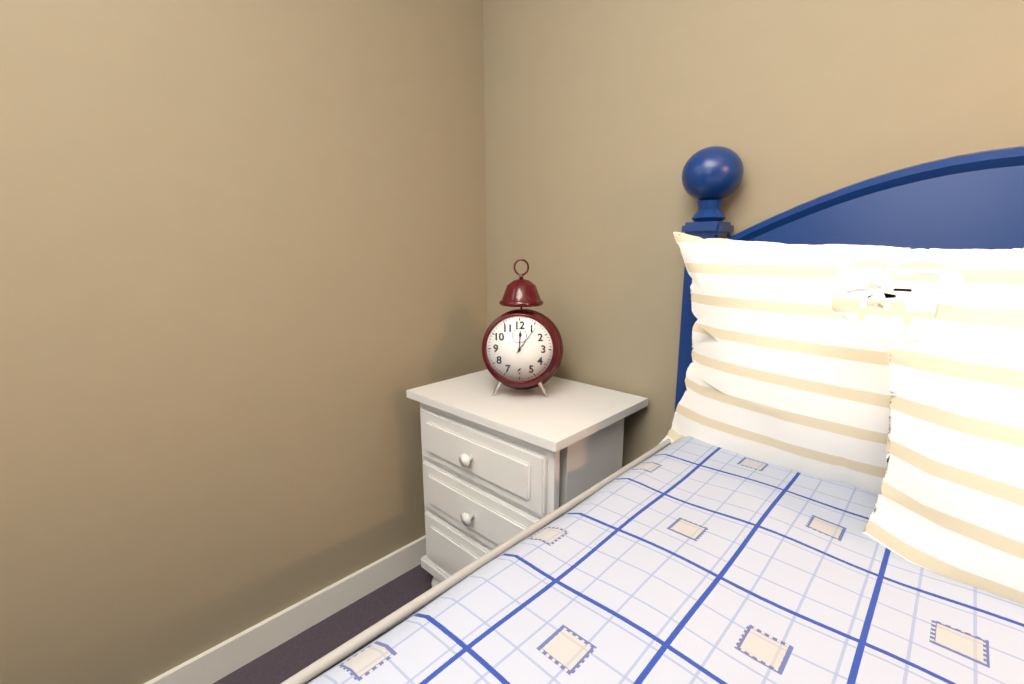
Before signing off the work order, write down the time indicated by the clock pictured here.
12:06
